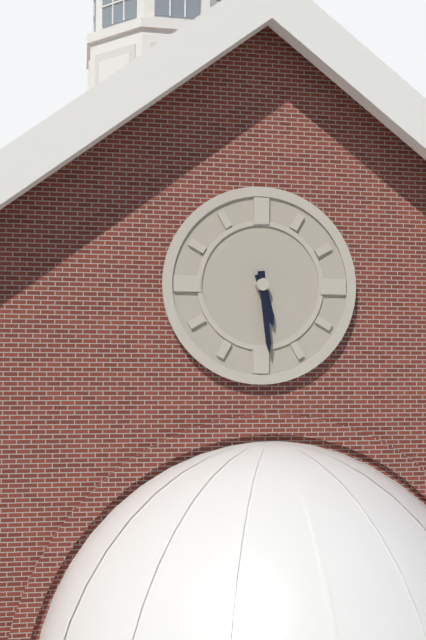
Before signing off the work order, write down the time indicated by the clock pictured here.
5:29
